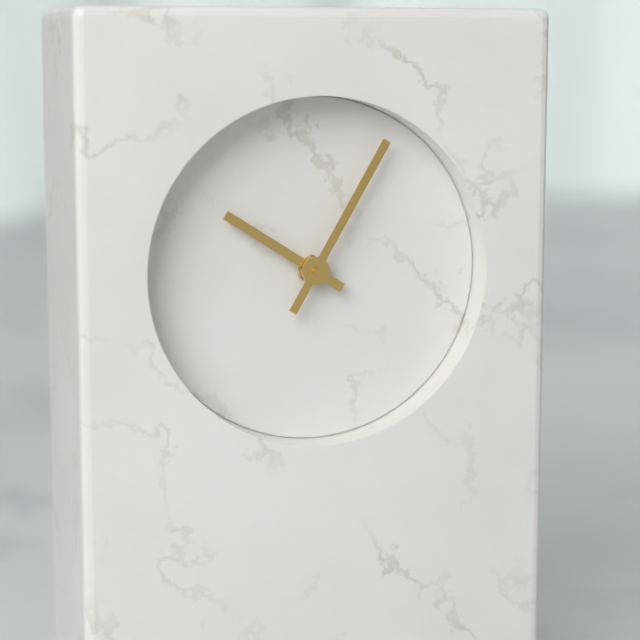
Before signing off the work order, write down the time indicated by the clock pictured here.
10:05
